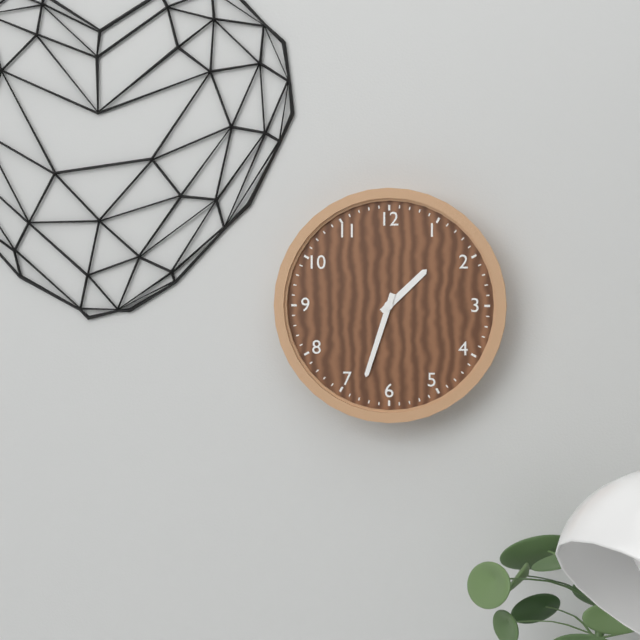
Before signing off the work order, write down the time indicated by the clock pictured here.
1:33
